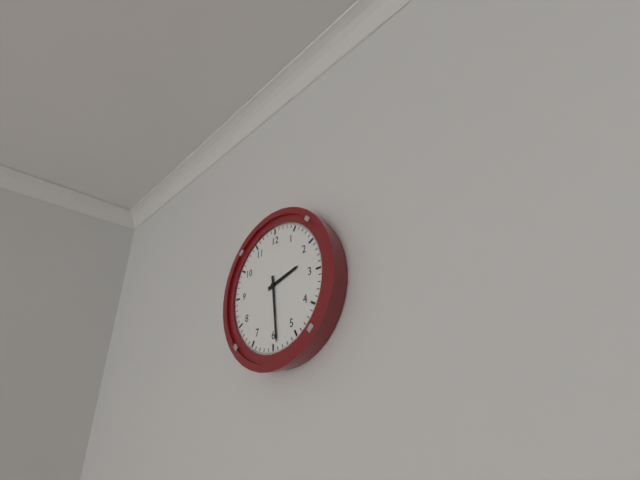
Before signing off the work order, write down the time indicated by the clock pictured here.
2:29
